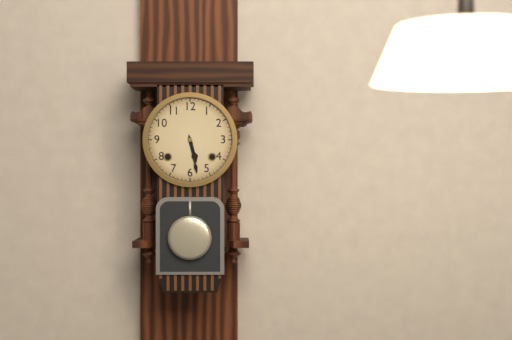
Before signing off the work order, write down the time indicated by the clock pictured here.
5:28
